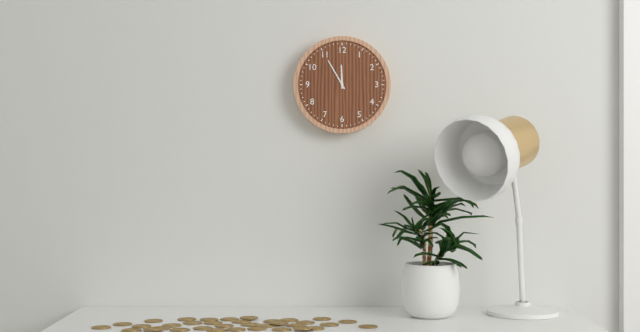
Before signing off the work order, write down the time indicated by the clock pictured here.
11:55
